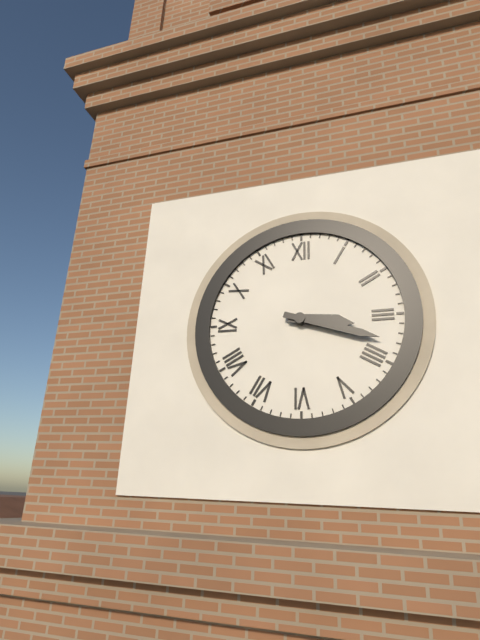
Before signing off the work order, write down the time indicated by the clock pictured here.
3:18
